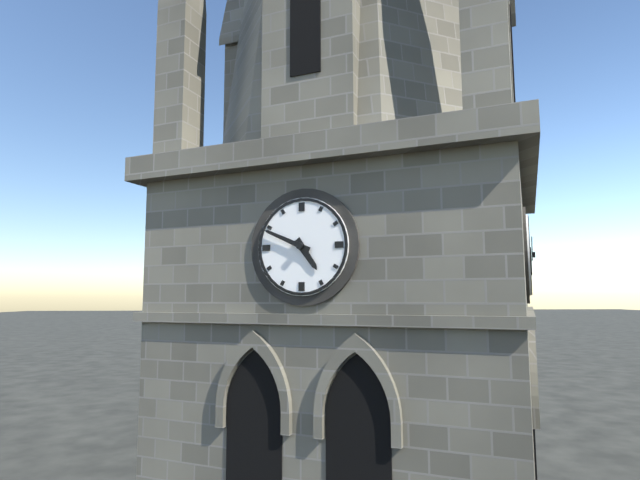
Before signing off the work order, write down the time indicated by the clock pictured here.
4:49
